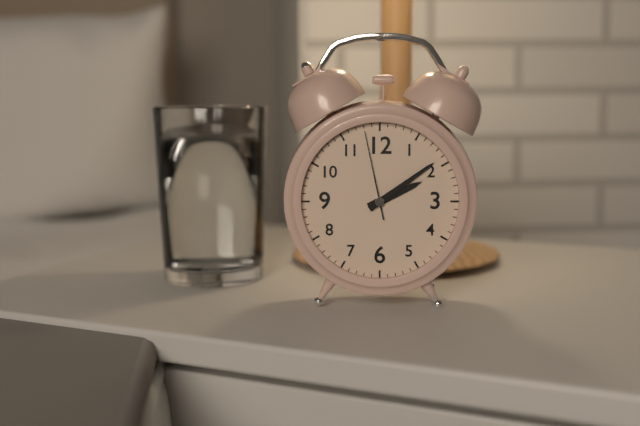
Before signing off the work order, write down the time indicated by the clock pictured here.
2:09:58
